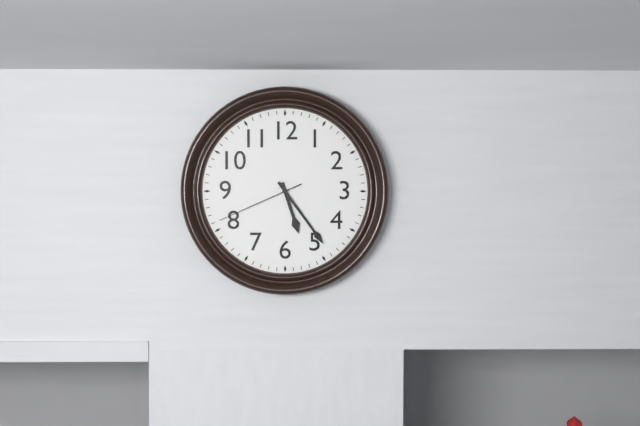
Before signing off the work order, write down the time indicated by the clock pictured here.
5:24:41
